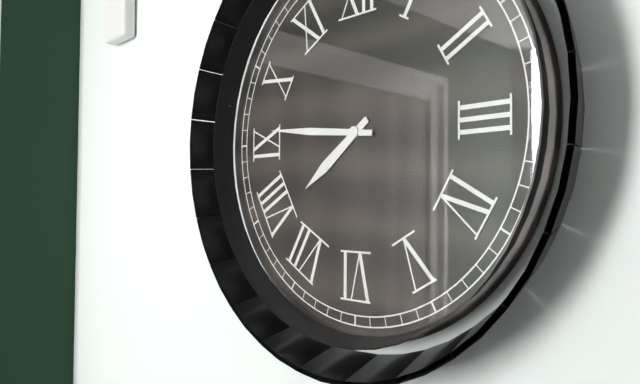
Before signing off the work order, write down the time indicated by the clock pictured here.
7:46
